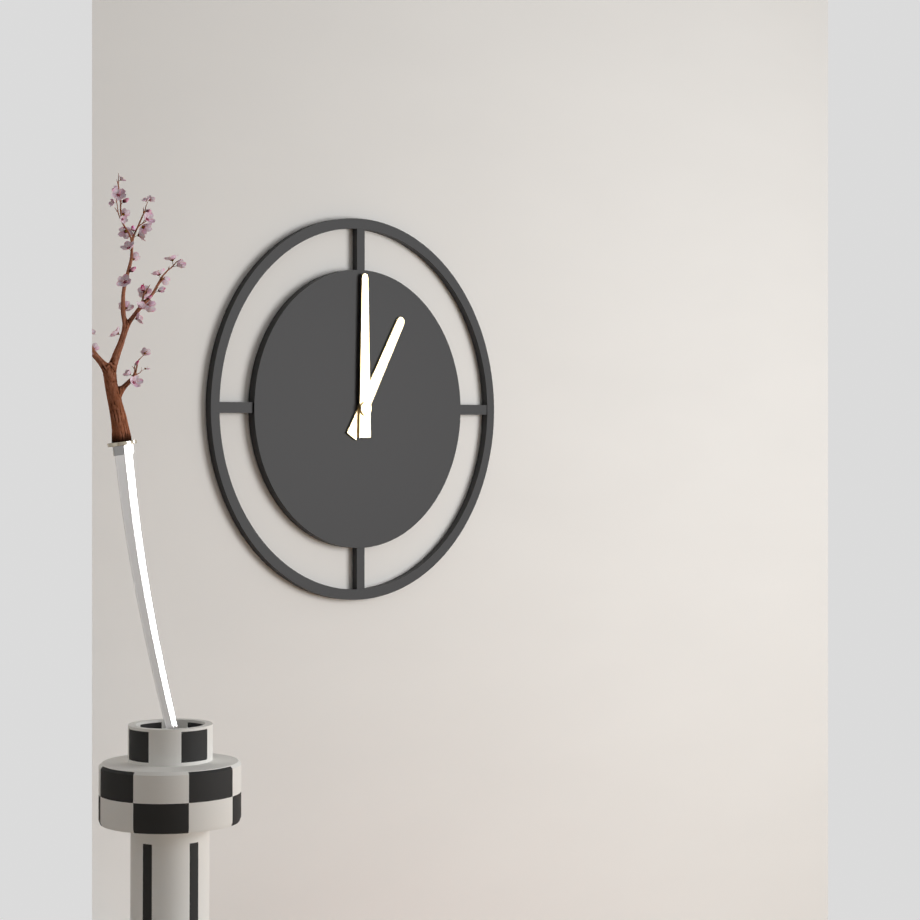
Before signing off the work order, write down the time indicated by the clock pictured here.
1:00
